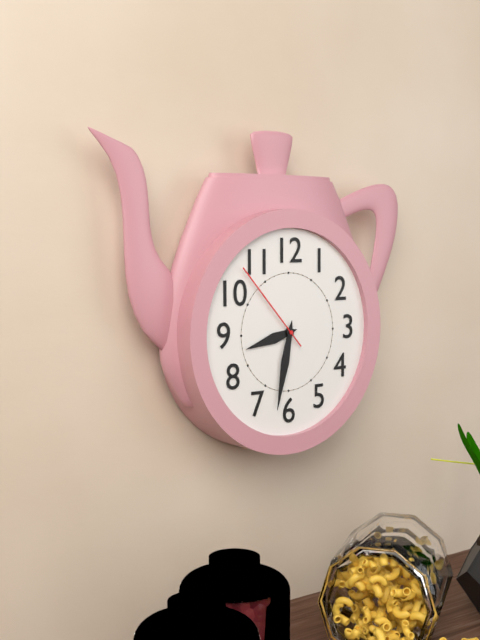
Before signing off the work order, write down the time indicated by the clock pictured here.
8:32:53
